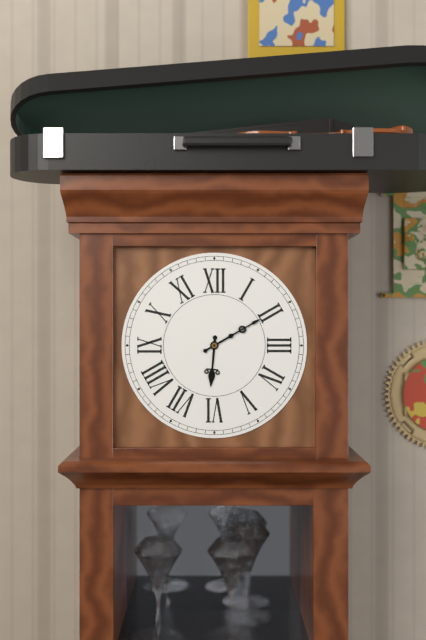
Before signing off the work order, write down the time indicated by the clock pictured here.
6:10
